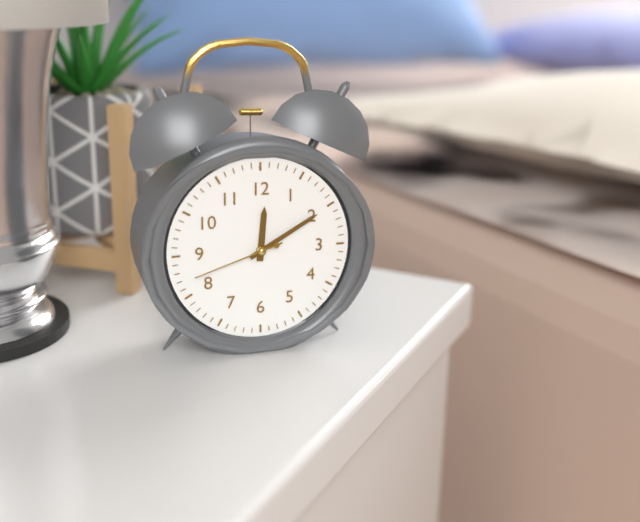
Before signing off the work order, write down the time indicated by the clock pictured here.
12:10:42
